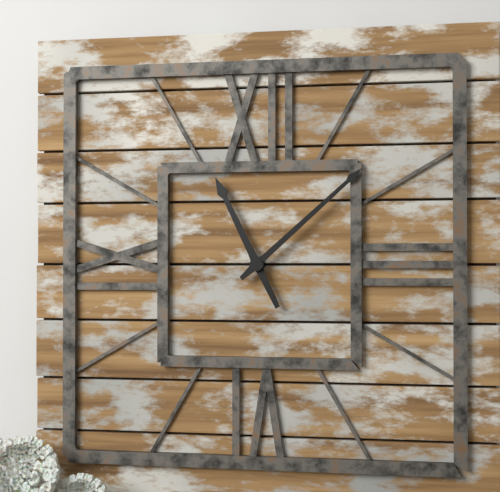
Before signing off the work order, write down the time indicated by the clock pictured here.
11:08
